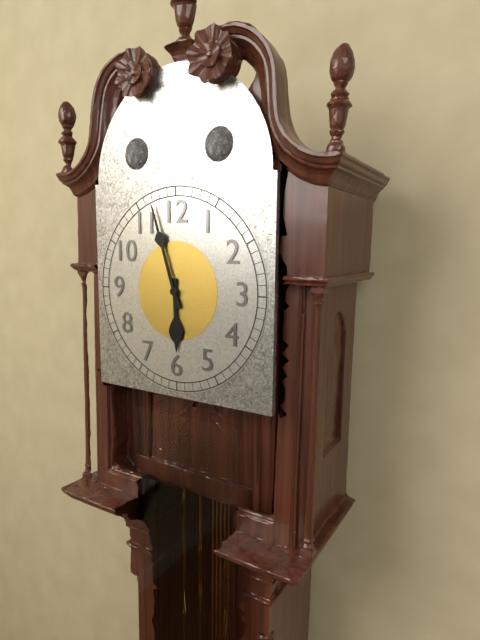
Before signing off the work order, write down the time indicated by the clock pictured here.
5:57
